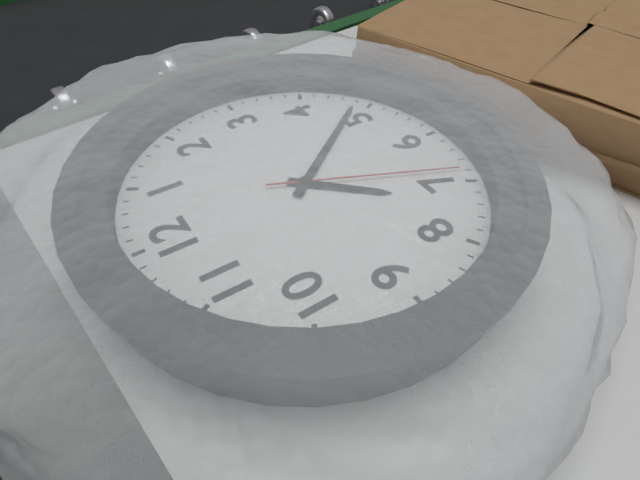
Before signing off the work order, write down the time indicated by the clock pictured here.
7:24:34
